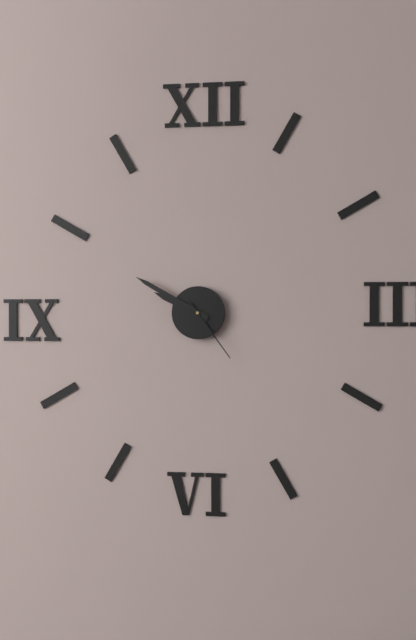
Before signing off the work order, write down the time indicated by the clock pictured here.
9:50:24
